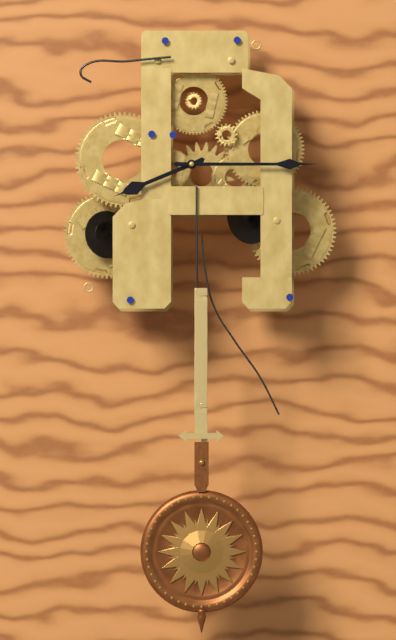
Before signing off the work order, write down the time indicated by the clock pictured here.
8:15
